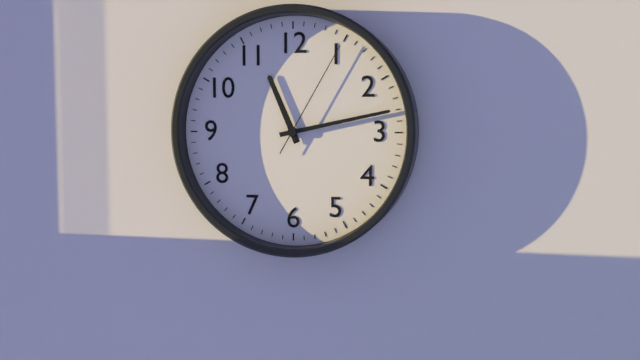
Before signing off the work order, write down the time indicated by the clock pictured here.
11:13:05
